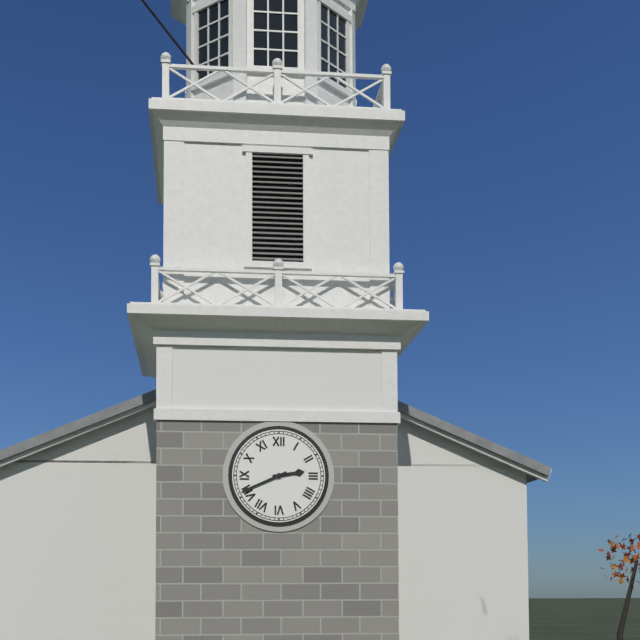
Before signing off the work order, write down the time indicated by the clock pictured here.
2:41
